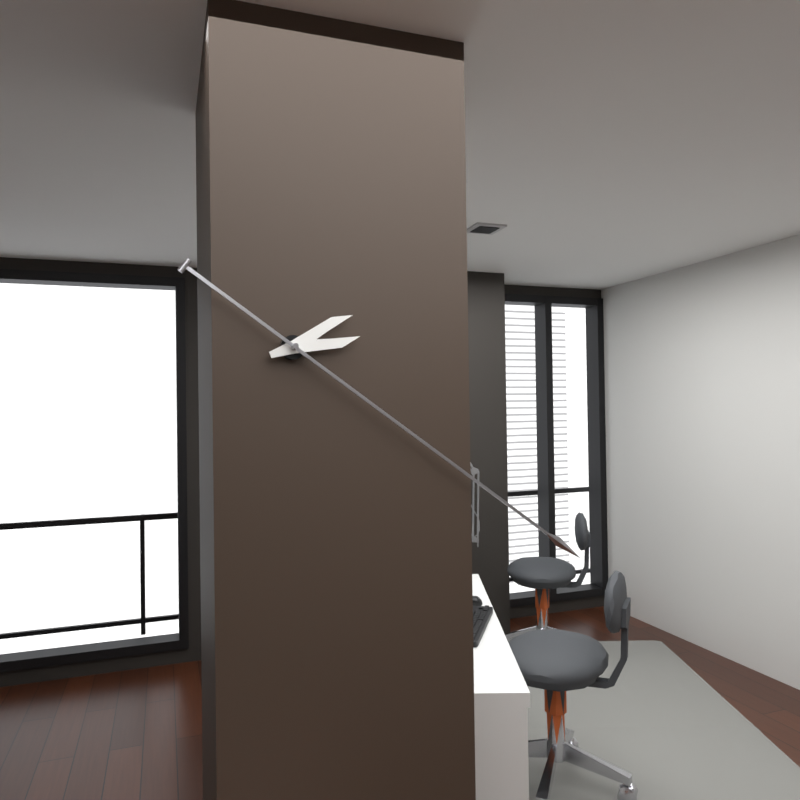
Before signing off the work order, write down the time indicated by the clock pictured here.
2:21
